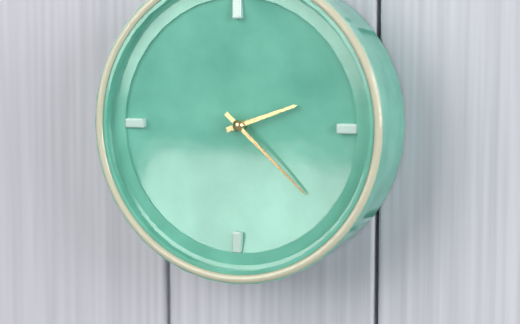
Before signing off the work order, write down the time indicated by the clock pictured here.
2:22
